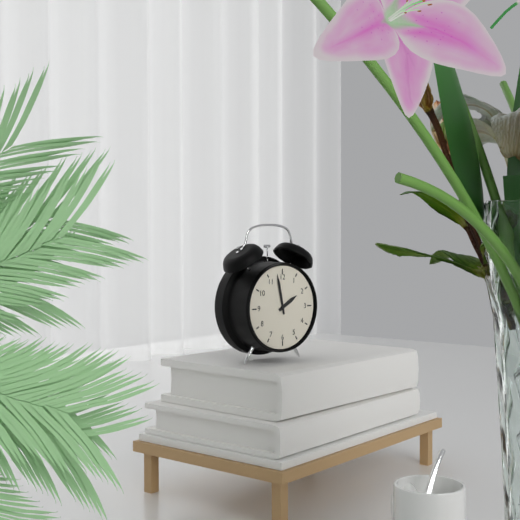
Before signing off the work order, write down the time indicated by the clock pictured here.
1:58
